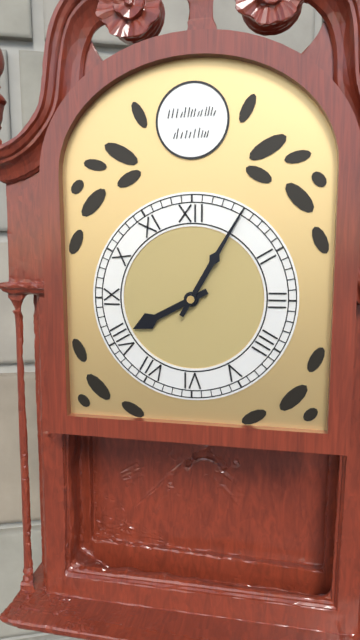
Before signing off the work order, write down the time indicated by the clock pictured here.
8:05
